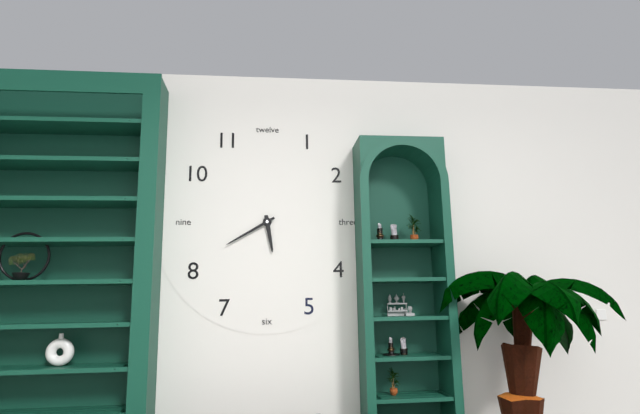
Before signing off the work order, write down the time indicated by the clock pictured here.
5:40
